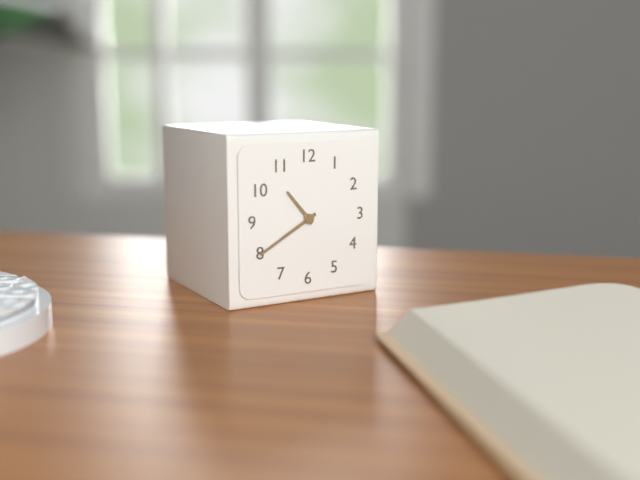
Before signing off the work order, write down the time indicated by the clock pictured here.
10:40
